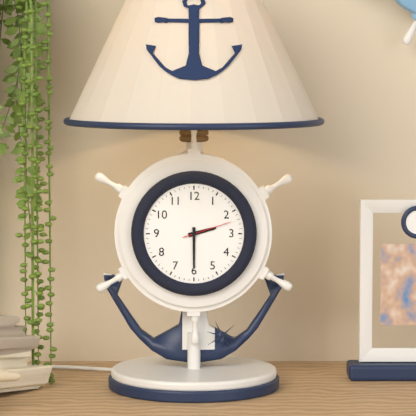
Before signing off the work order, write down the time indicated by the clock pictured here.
2:30:12
